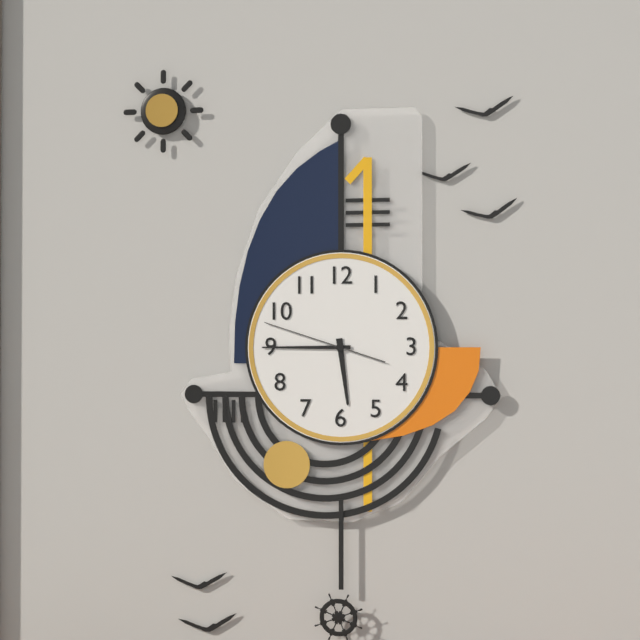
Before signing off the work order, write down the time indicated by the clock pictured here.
5:45:48
